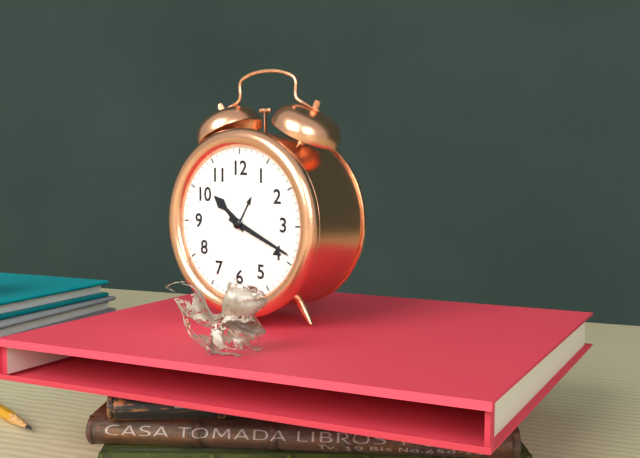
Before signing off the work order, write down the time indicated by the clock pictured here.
10:19
